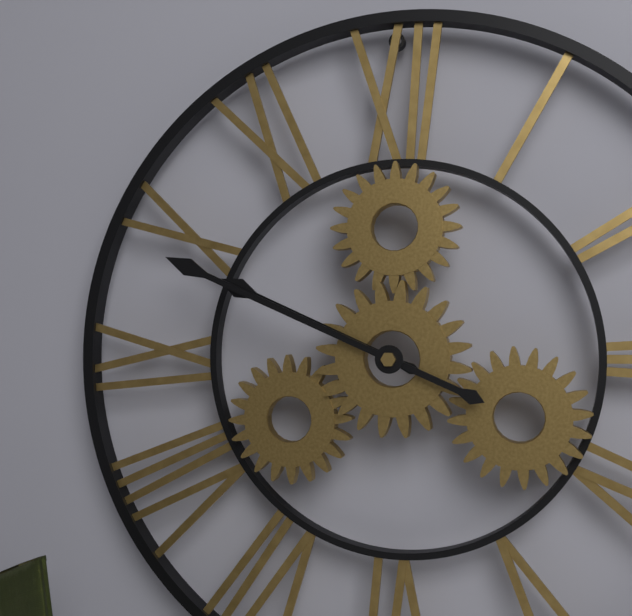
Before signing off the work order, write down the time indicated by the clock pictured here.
9:49
